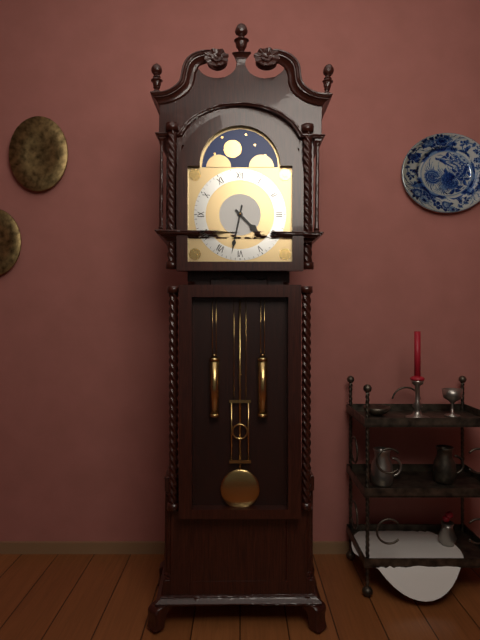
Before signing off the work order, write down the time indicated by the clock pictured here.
4:32
